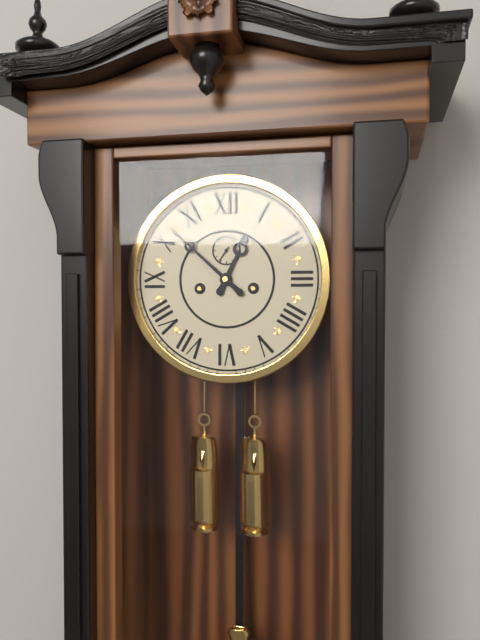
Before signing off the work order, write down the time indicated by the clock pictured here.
12:52
